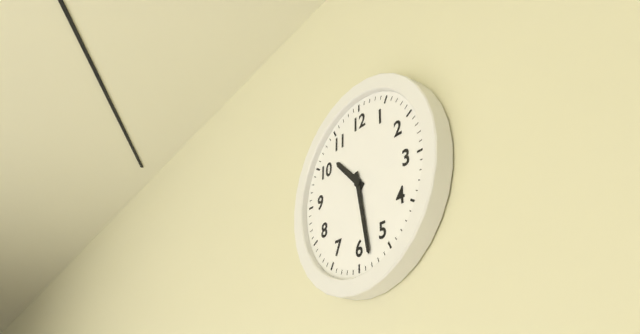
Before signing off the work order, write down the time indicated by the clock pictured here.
10:28
